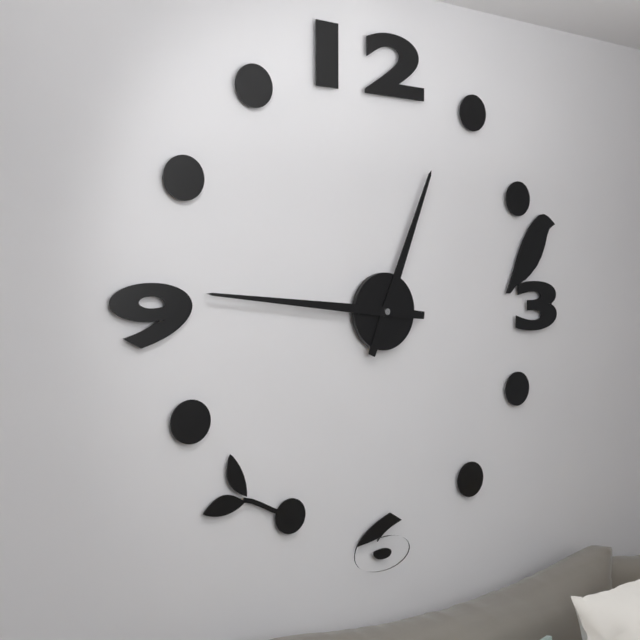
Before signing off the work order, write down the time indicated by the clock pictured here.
12:46
